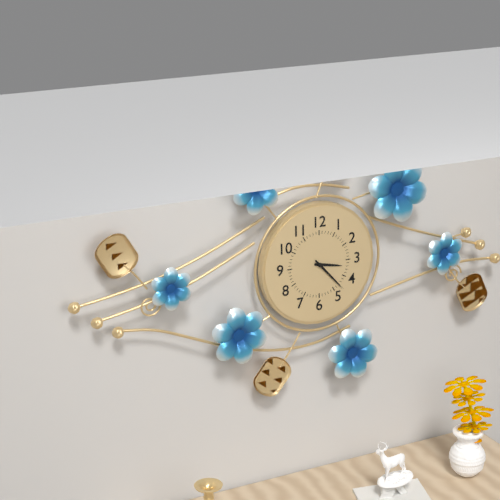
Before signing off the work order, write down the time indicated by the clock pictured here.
3:23
